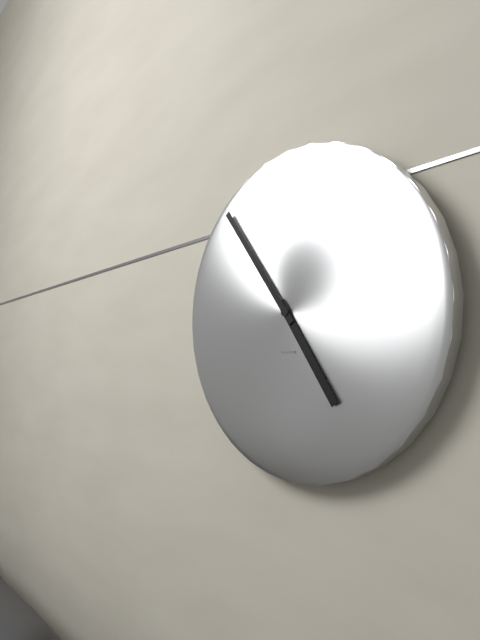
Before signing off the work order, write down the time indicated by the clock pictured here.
4:54
